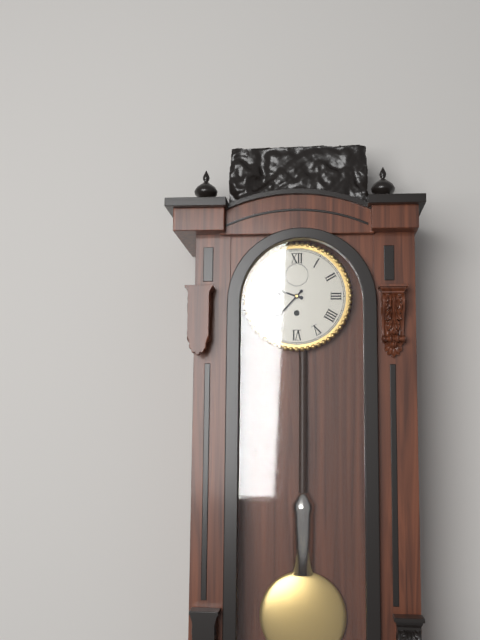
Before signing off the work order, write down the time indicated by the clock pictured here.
9:37
